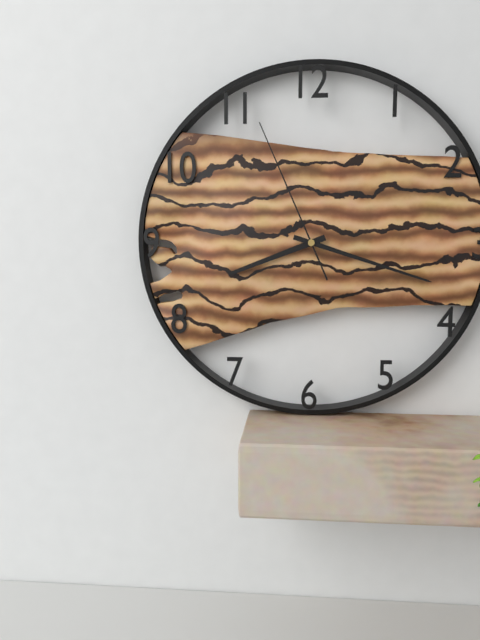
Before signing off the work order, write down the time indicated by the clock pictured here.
8:18:56
